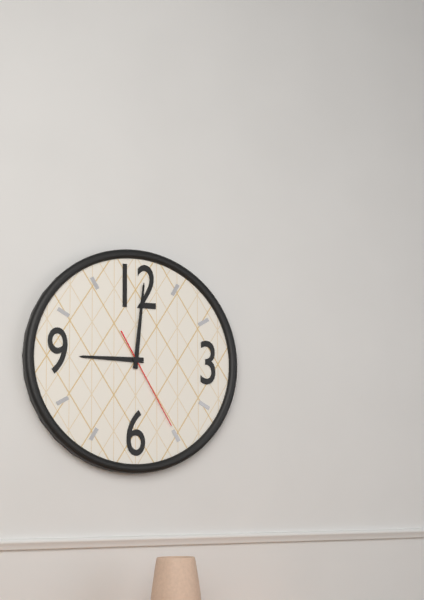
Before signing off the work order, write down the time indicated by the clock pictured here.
9:01:25
